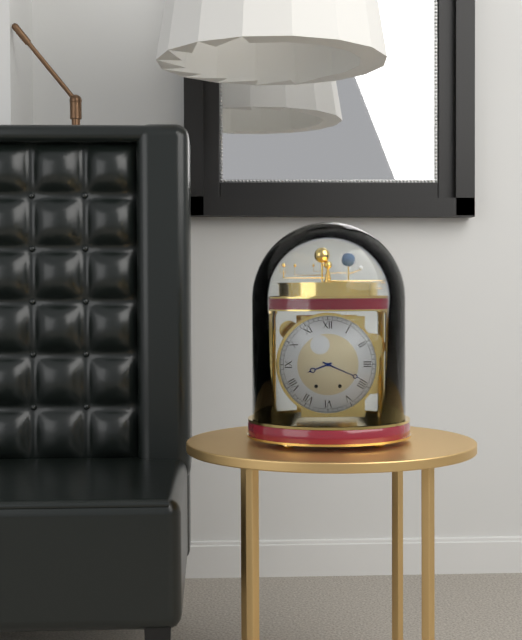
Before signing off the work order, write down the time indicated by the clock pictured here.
8:19
